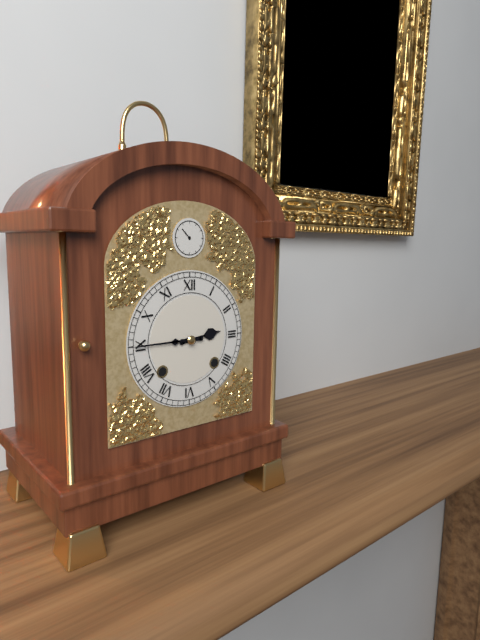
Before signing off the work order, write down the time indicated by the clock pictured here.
2:45
